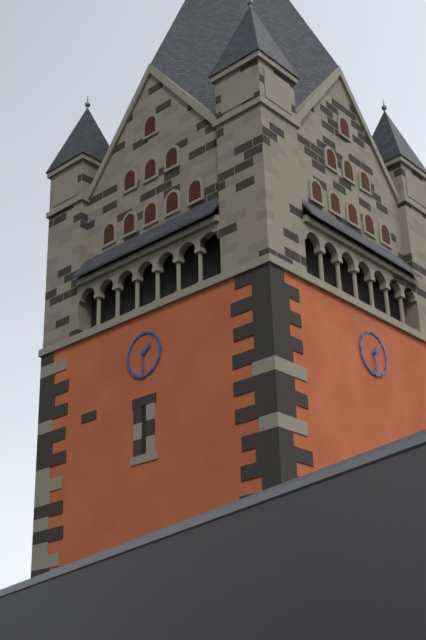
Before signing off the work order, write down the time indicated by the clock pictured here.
1:30
